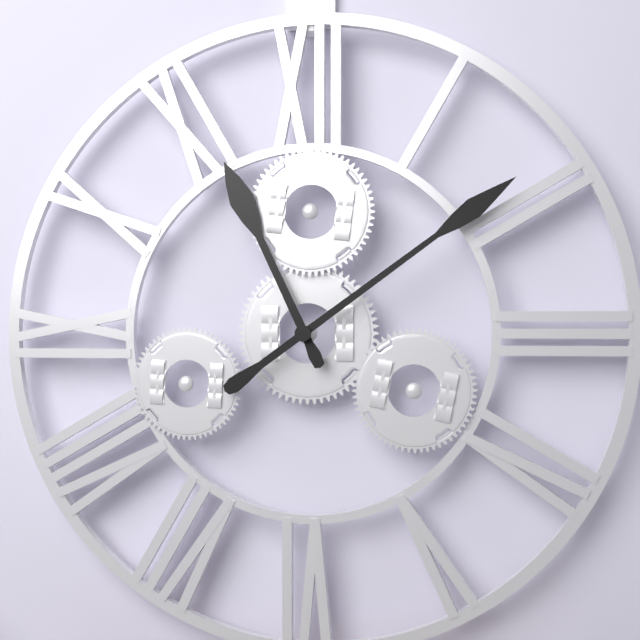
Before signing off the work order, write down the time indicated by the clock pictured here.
11:09
